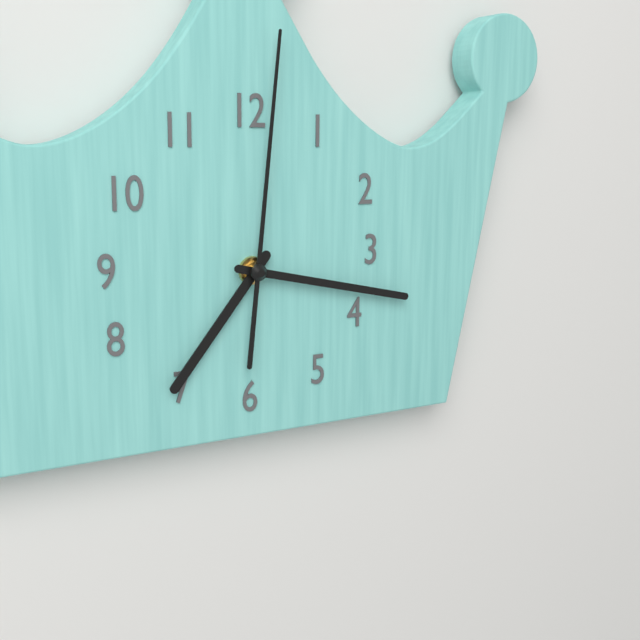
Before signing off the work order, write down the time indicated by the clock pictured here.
7:17:01
